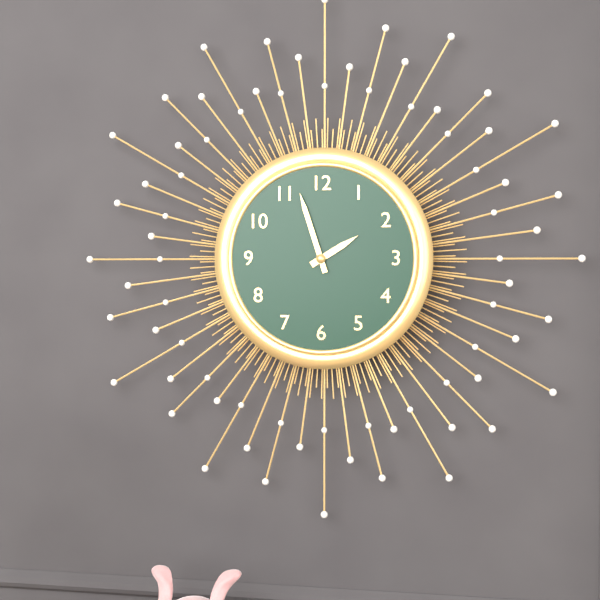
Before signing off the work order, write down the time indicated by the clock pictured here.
1:57
